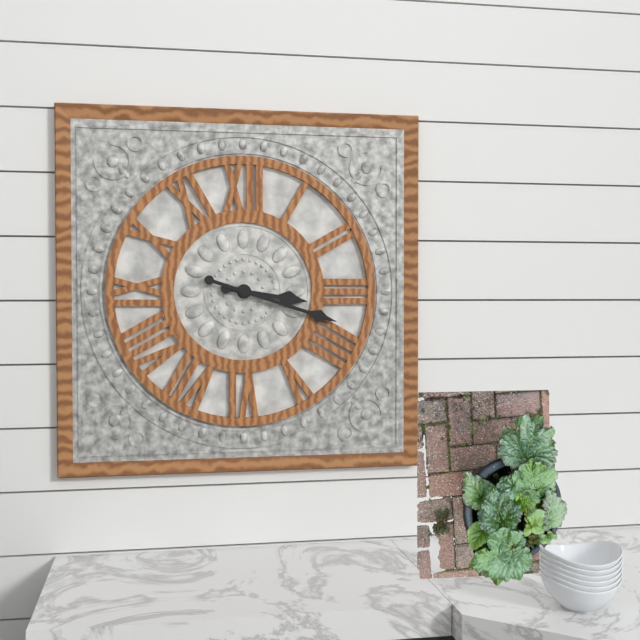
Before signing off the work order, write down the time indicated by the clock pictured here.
3:18
